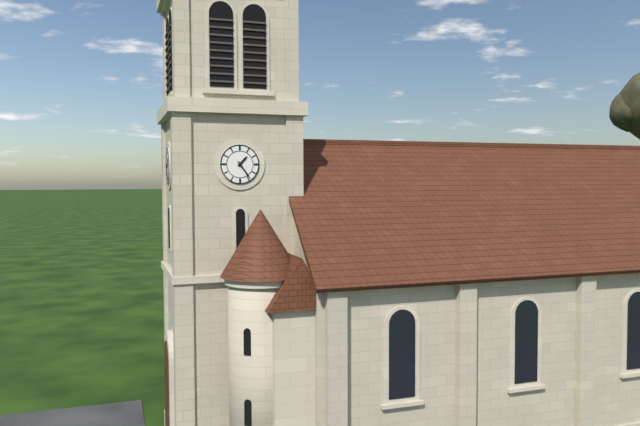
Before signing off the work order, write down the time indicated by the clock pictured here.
1:24
